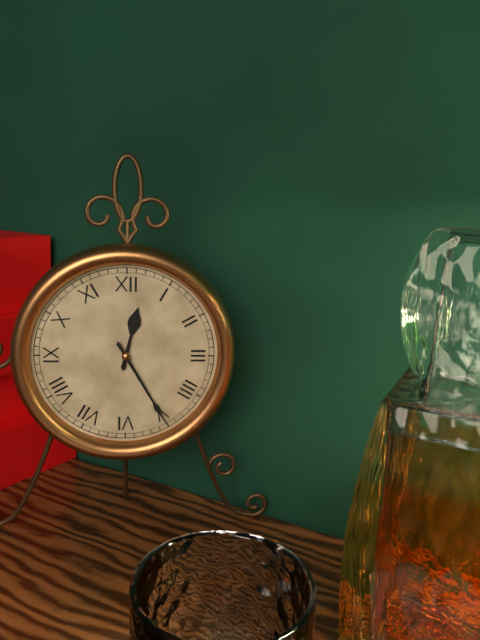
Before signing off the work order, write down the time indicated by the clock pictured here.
12:25
